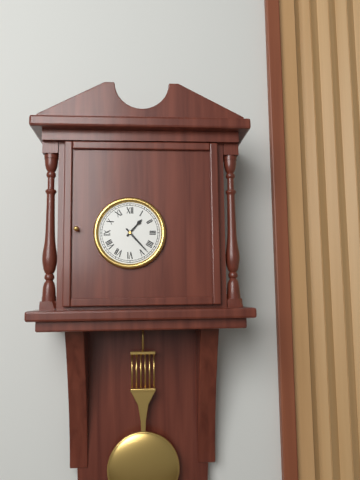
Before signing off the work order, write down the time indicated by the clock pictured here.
1:23
